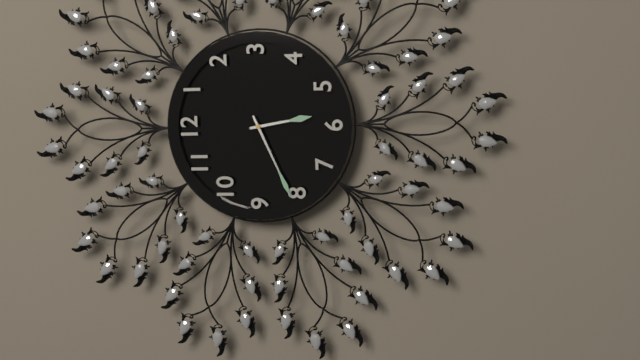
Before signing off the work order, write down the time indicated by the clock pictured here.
5:41
